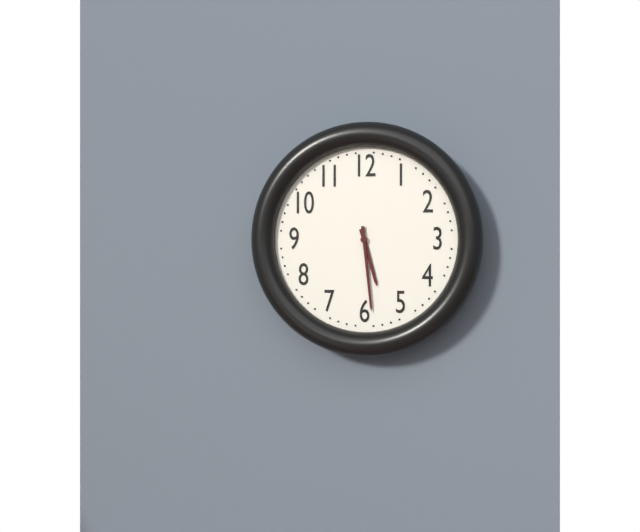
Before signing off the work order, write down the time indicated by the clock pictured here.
5:29
